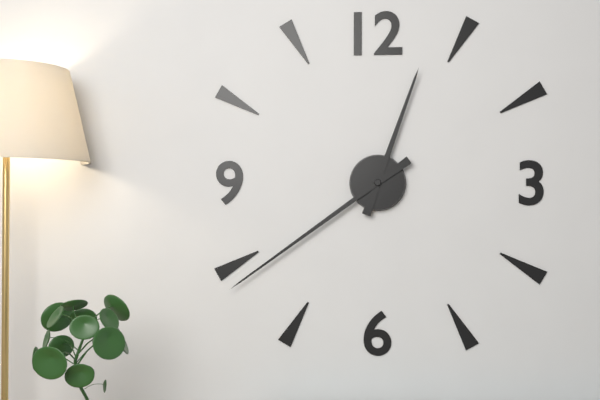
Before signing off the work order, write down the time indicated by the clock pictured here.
12:39
